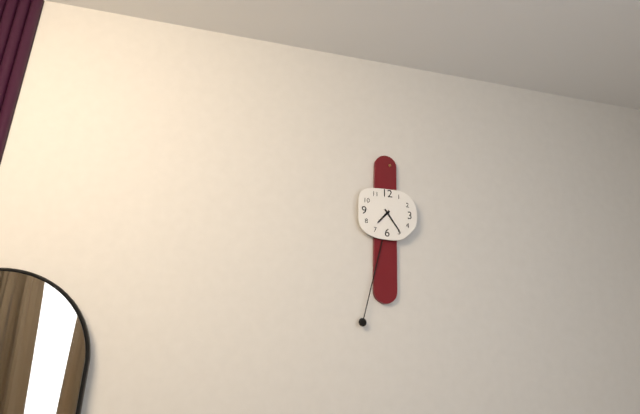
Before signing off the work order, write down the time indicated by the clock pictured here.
7:24
